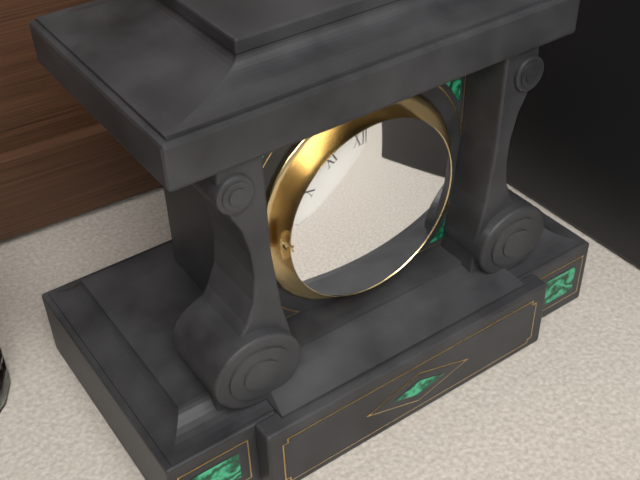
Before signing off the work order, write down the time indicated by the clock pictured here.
4:09
